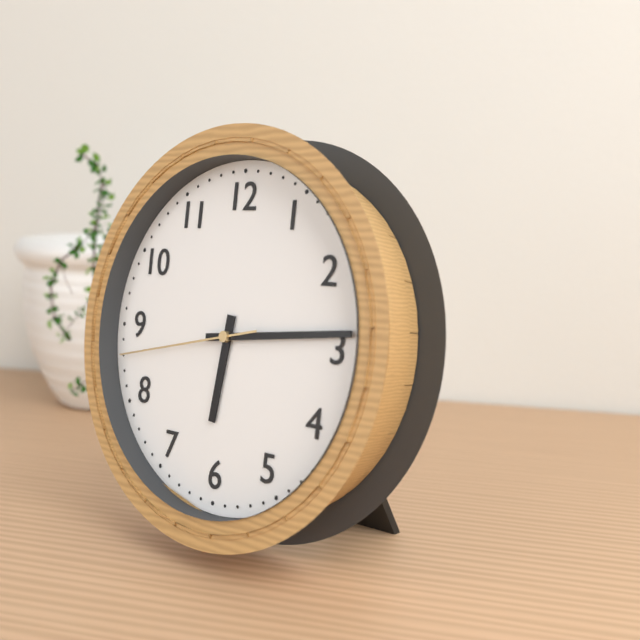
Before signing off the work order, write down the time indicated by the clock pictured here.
6:14:43
